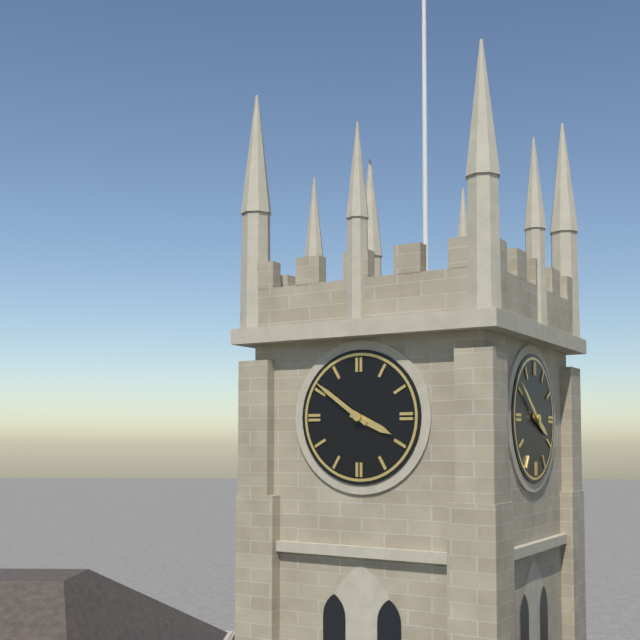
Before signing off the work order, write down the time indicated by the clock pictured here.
3:51
